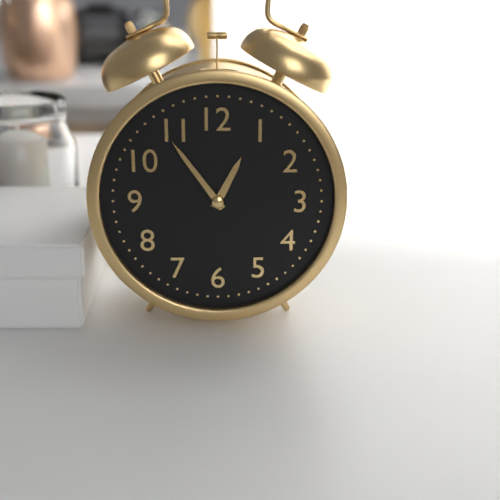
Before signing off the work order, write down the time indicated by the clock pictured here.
12:54
